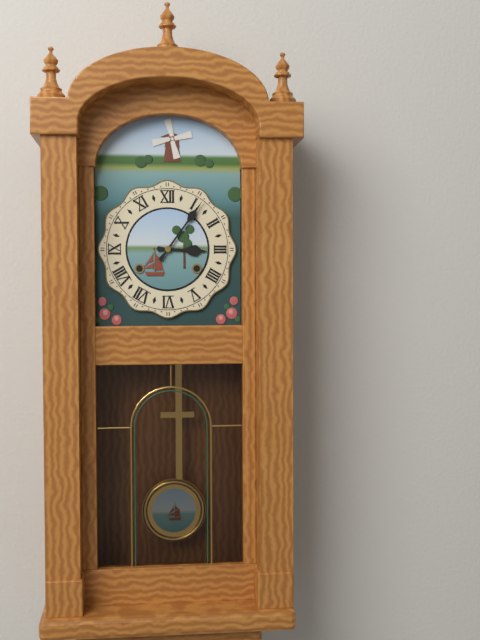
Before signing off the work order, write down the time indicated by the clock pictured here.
3:06
